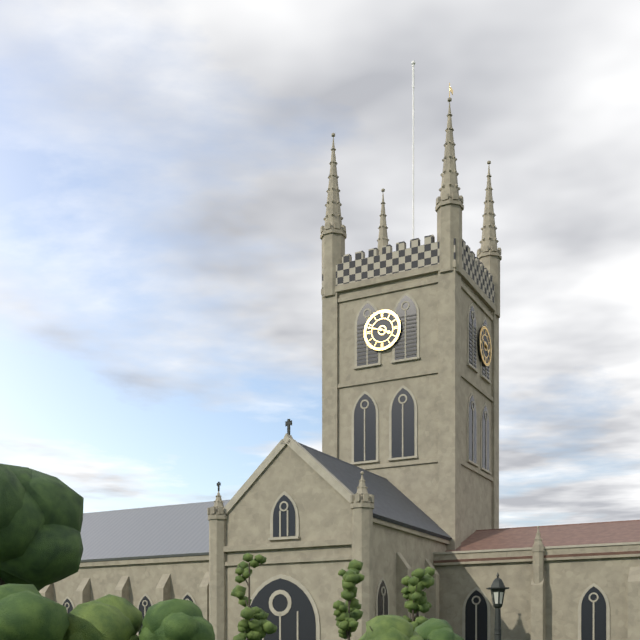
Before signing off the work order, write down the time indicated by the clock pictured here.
3:48
